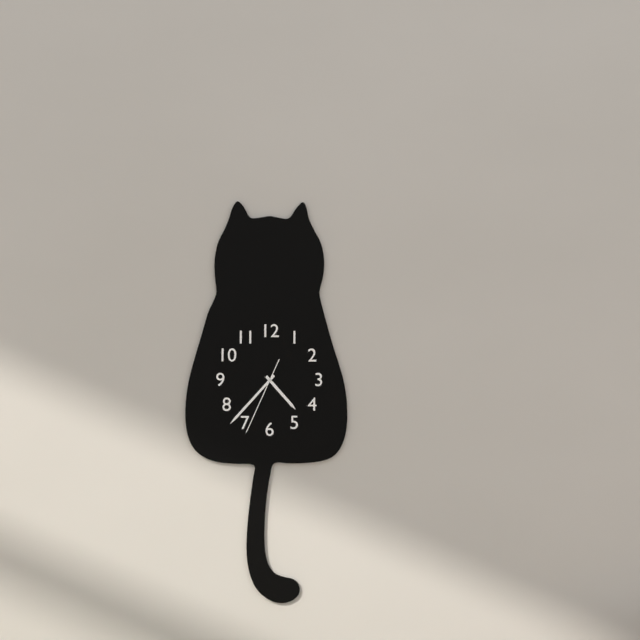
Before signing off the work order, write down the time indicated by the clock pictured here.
4:37:34
